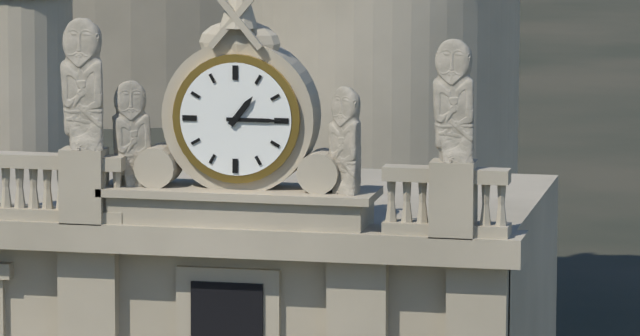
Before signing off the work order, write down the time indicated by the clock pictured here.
1:15
